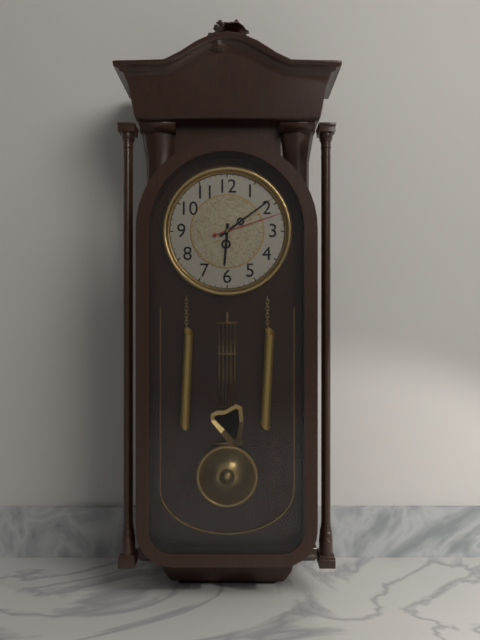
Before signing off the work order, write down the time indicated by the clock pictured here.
6:09:12
